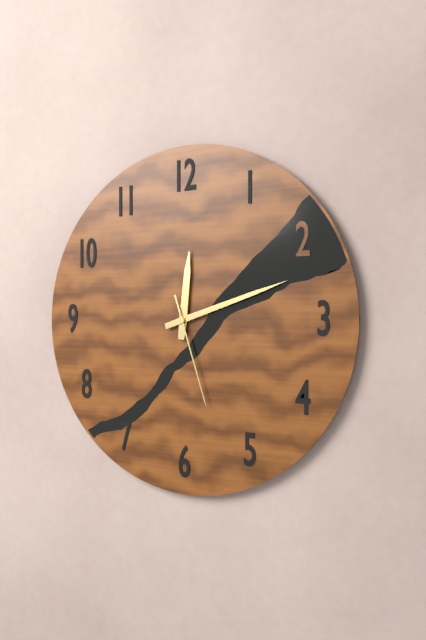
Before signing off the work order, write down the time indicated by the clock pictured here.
12:12:27
